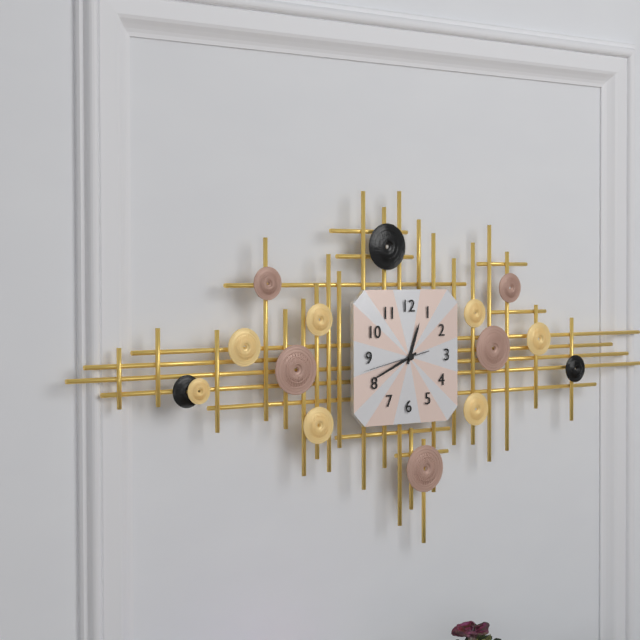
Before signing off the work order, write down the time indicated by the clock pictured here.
12:41:43
